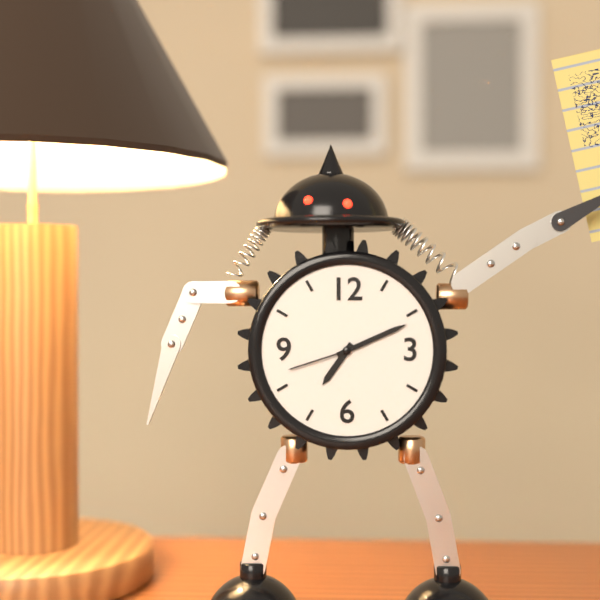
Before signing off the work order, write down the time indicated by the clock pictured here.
7:11:42
